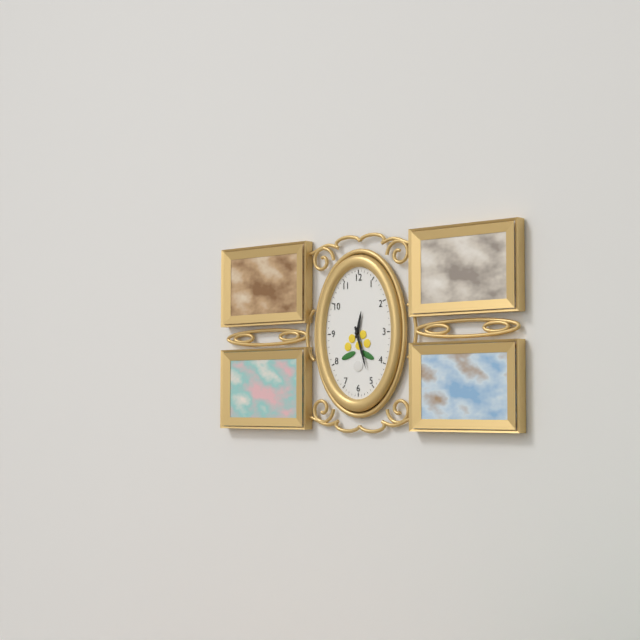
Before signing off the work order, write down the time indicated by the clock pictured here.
12:27
